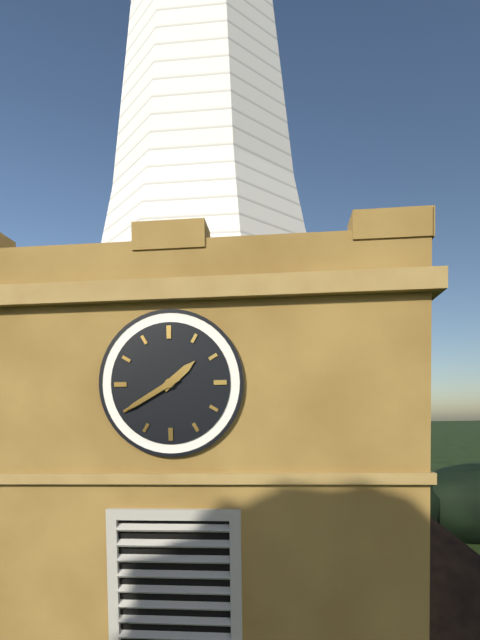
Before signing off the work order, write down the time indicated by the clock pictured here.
1:40
